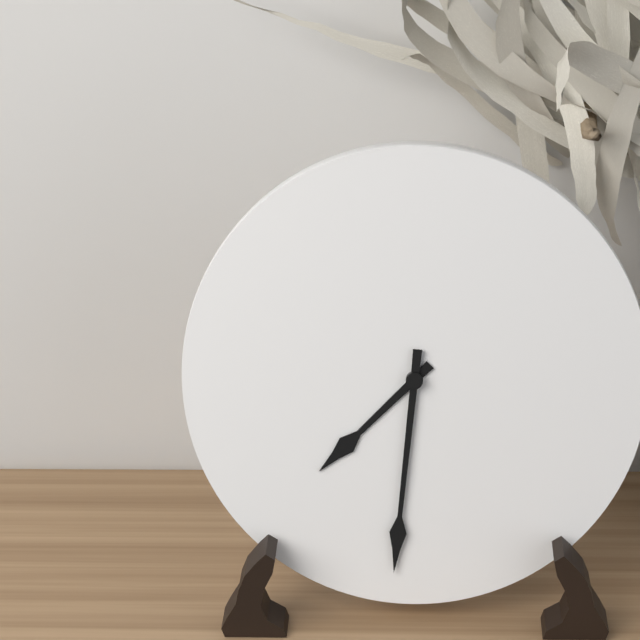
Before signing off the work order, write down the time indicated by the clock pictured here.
7:31
